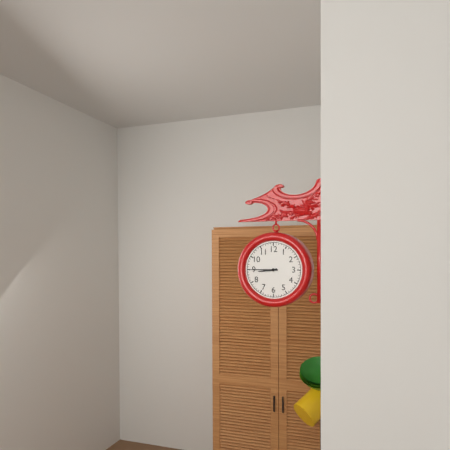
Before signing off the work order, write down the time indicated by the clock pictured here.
8:45
